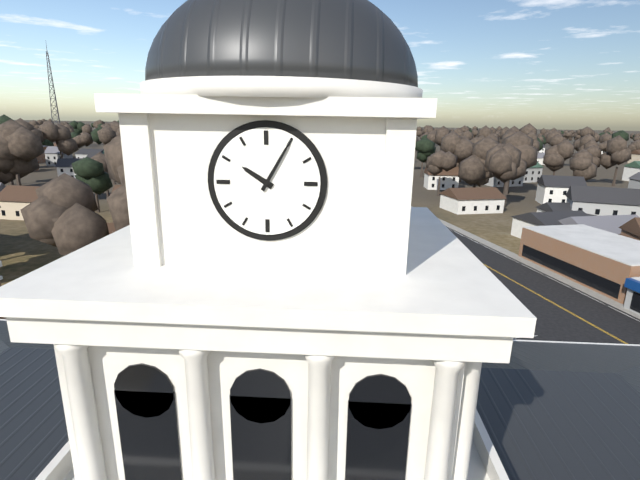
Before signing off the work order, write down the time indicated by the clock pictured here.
10:05
